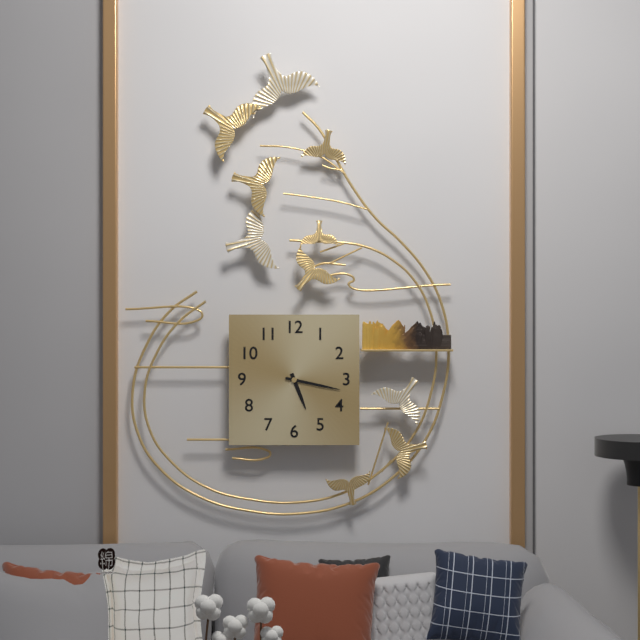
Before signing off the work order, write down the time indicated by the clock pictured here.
5:17
